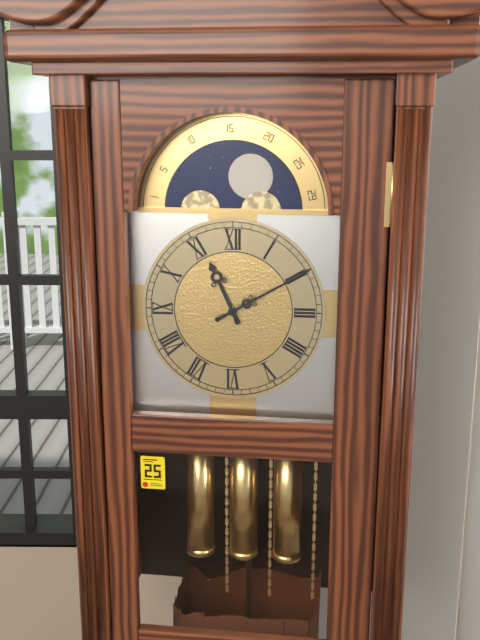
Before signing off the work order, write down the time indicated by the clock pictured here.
11:10
